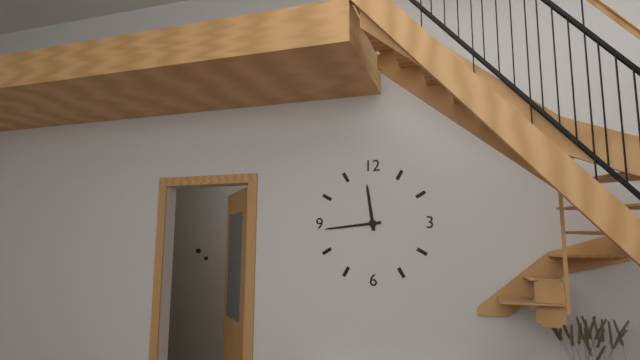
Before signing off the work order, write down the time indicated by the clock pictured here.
11:44
